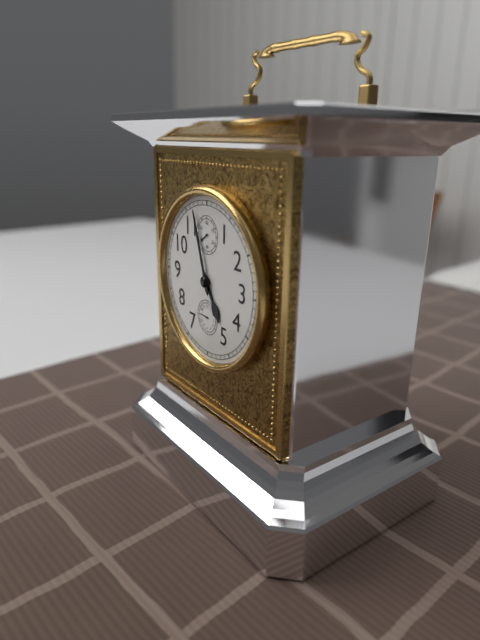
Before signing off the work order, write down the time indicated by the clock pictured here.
4:57
